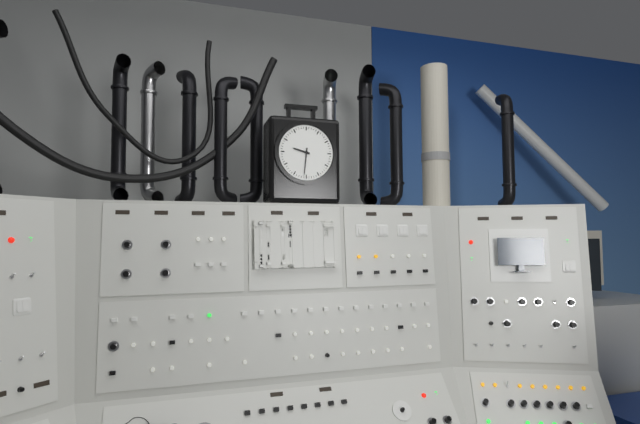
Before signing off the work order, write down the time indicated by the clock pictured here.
9:31
